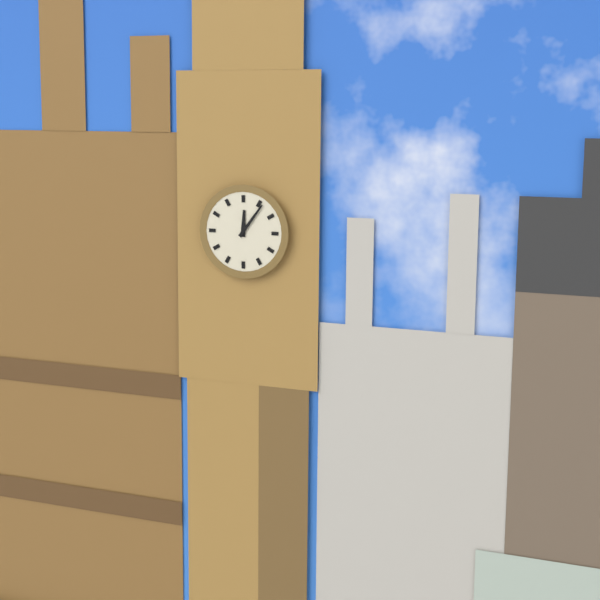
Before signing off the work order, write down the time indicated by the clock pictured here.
12:06
